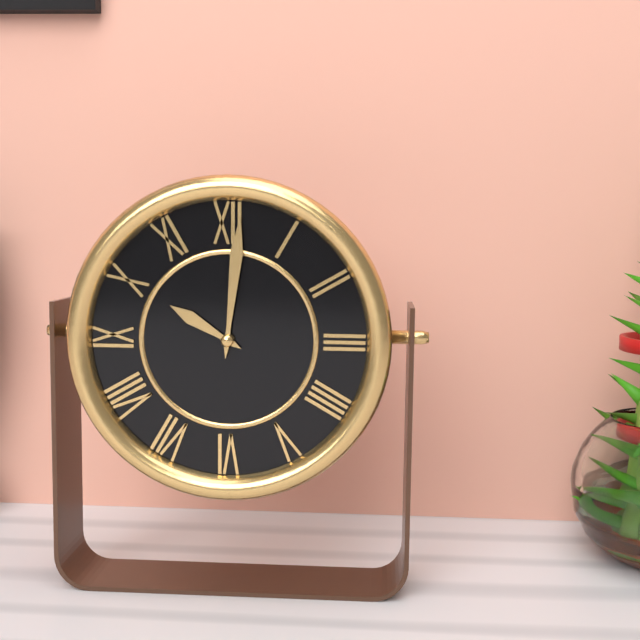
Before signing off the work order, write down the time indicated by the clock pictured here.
10:01
